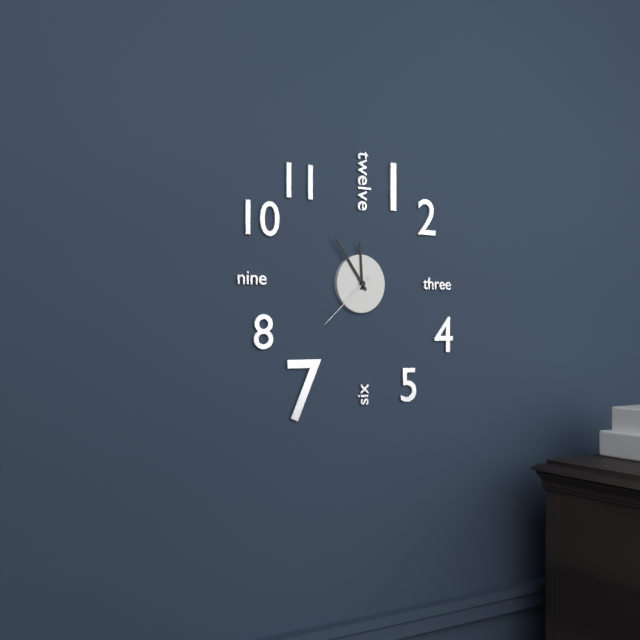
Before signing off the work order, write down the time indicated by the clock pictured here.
11:54:38
